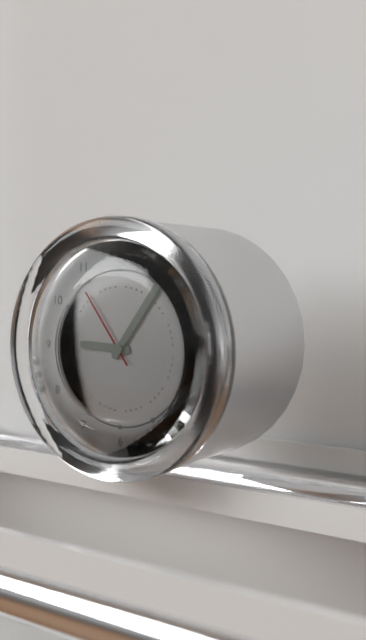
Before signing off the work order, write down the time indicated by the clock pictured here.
9:06:54
